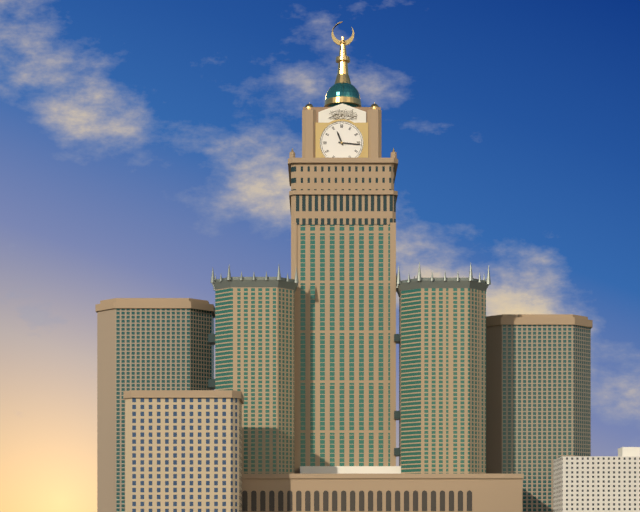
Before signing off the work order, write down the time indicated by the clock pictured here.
11:16
